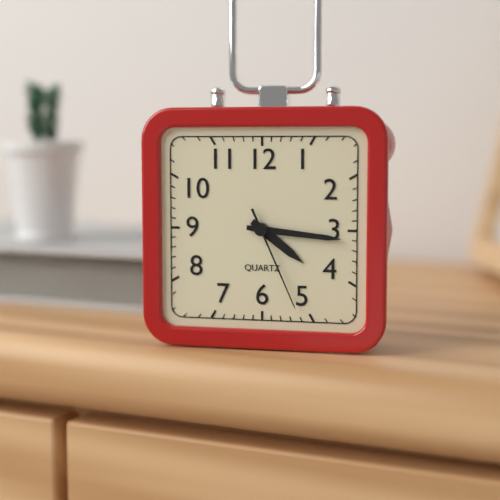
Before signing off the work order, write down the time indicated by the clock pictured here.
4:16:26
